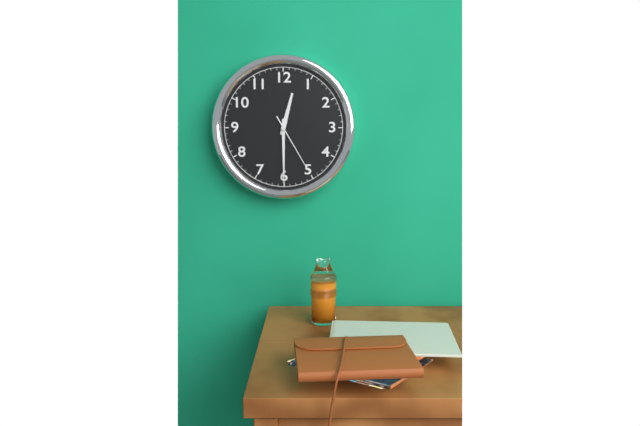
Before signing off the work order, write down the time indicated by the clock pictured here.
12:30:25
